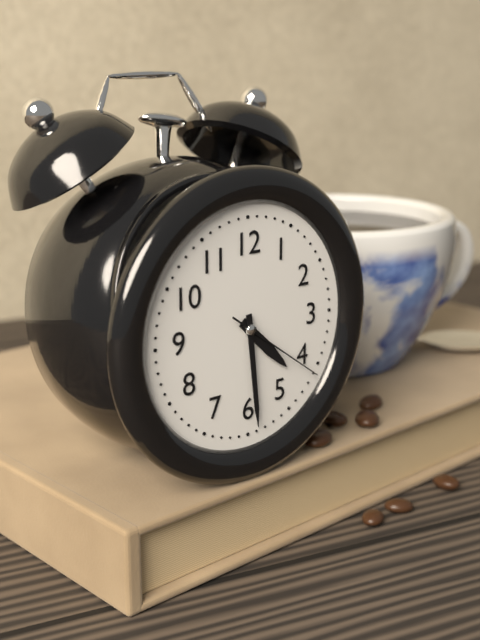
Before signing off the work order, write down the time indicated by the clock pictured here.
4:29:21
